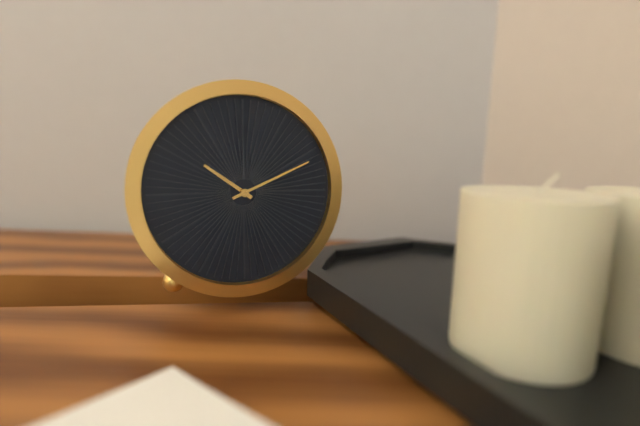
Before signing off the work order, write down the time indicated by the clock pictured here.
10:11
